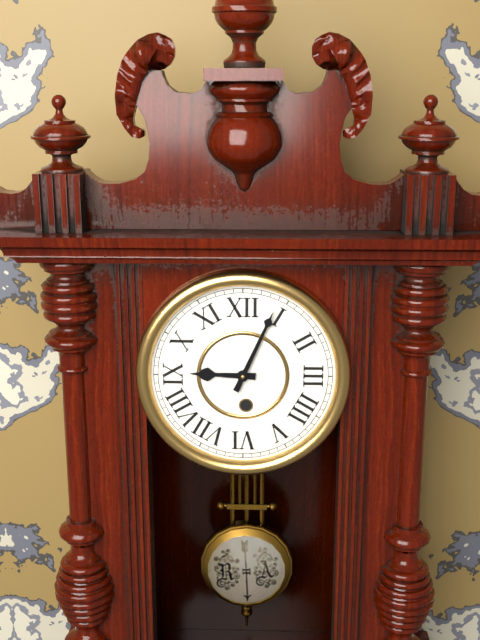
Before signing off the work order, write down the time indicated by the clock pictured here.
9:04
